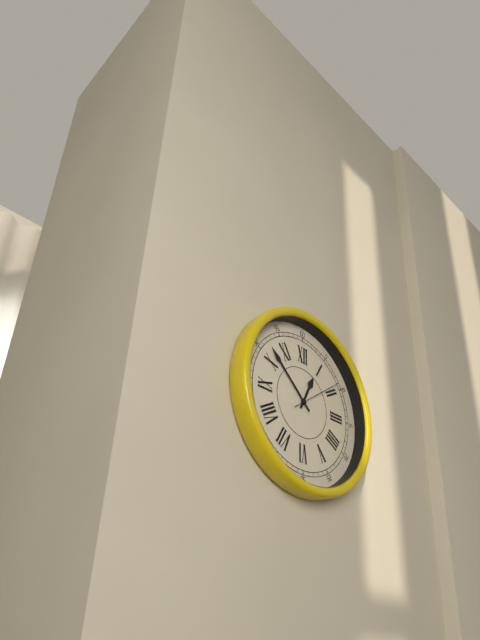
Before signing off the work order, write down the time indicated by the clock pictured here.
12:52
